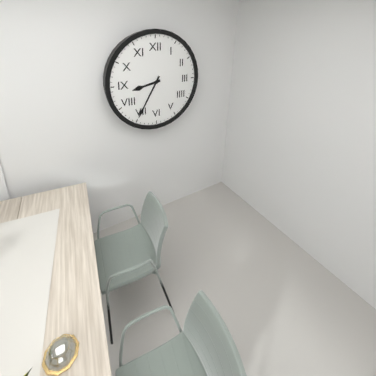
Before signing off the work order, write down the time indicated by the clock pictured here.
8:35
